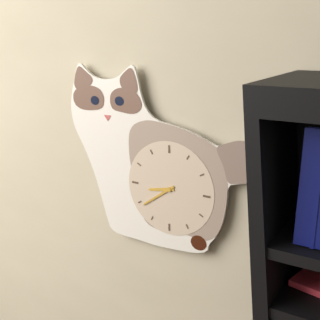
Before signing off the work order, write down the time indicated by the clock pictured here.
8:39
